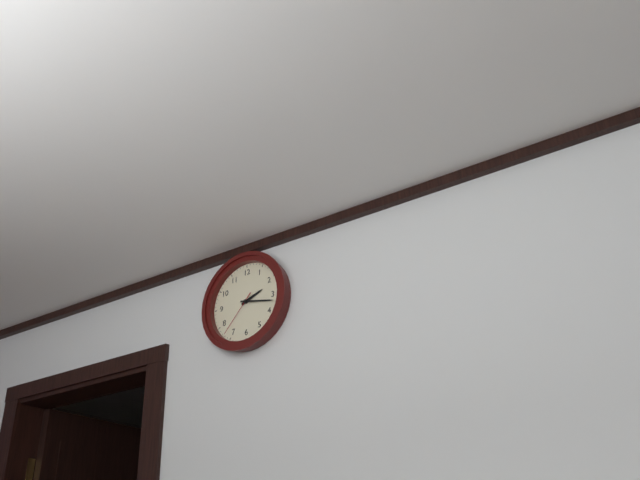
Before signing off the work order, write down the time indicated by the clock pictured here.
2:17
